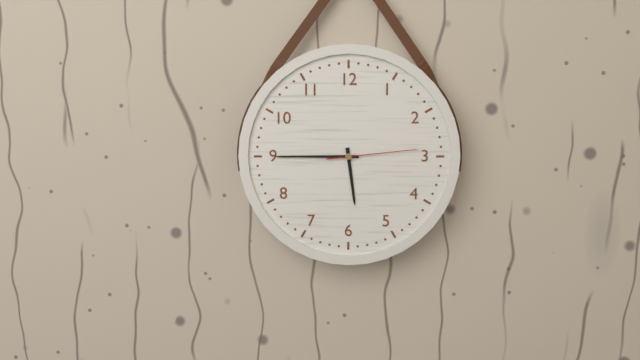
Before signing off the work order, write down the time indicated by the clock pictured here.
5:45:14
